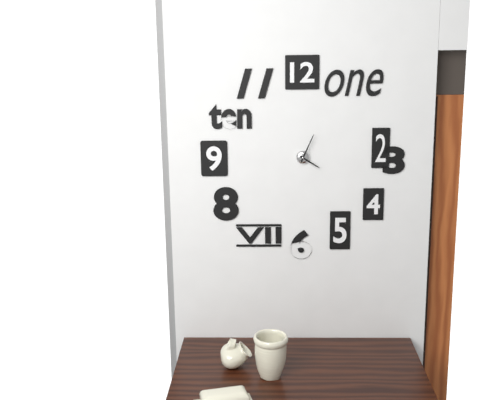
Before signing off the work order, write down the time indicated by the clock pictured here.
4:04
